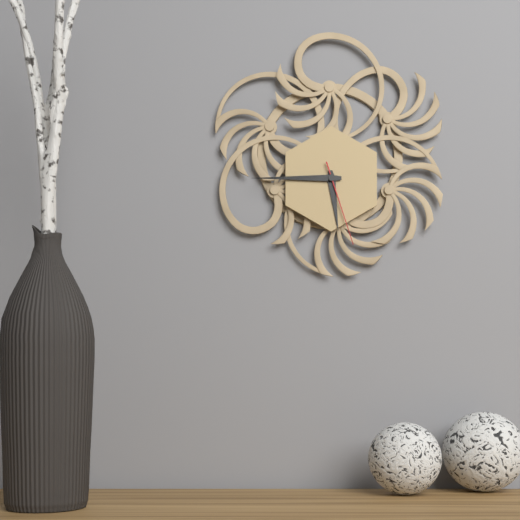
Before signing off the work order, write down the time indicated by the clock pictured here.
5:45:27
